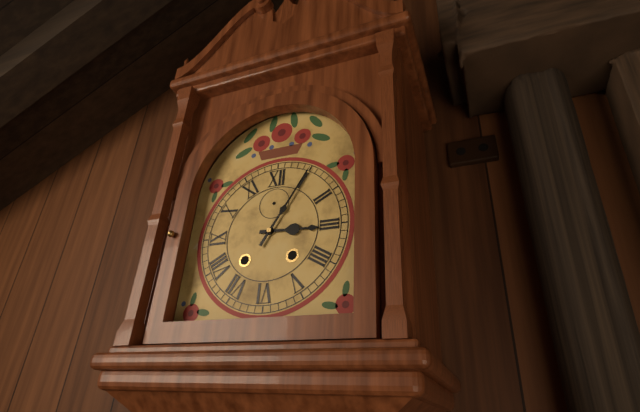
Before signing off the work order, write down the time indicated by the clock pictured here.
3:05
